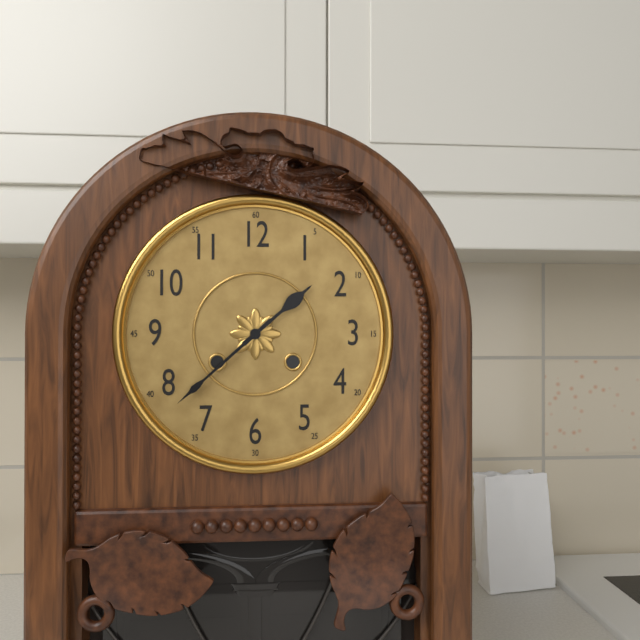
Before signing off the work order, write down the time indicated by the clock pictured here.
1:38
